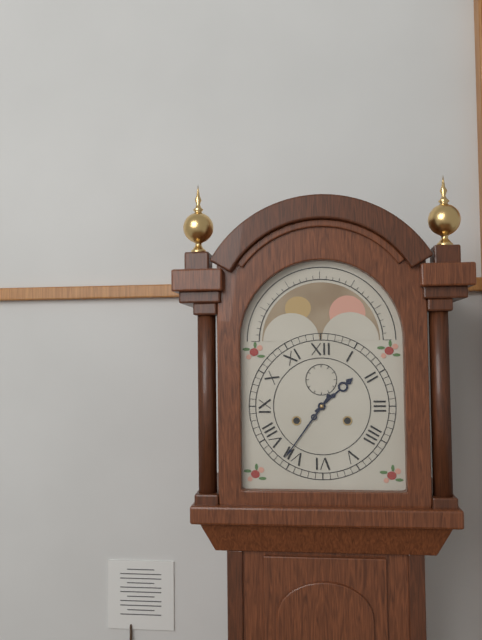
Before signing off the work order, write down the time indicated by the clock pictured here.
1:36
